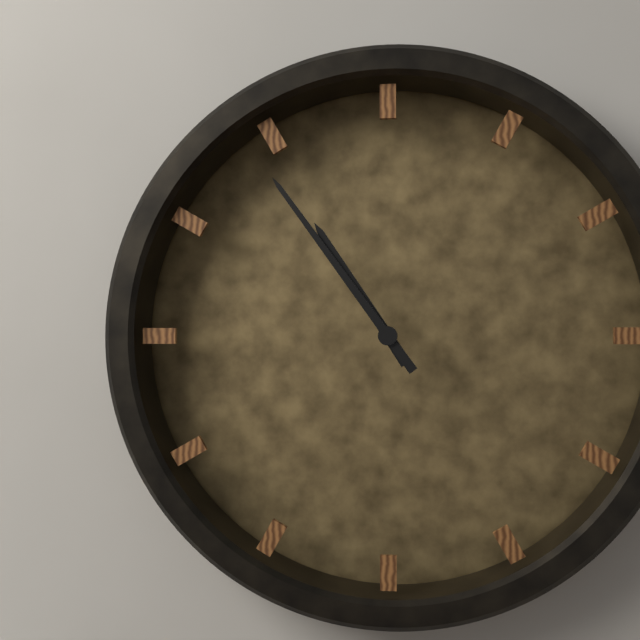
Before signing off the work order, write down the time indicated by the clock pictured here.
10:54
